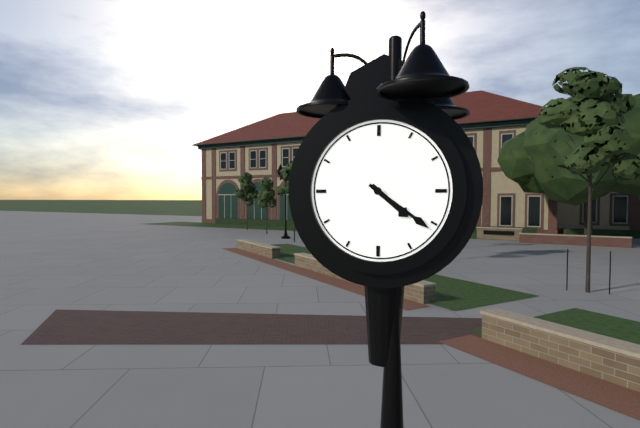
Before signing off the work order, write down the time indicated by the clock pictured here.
4:21
